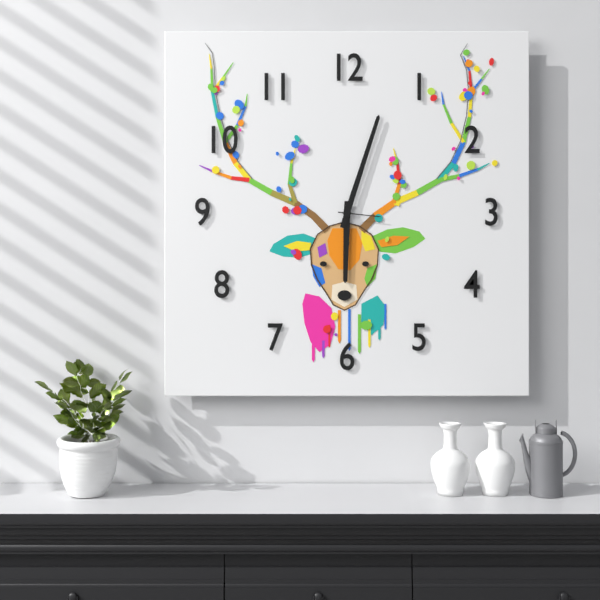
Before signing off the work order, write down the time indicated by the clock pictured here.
6:03
